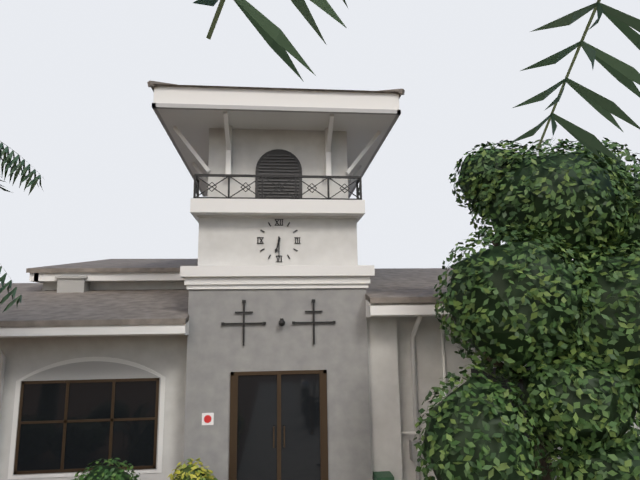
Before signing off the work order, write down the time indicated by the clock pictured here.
6:30
